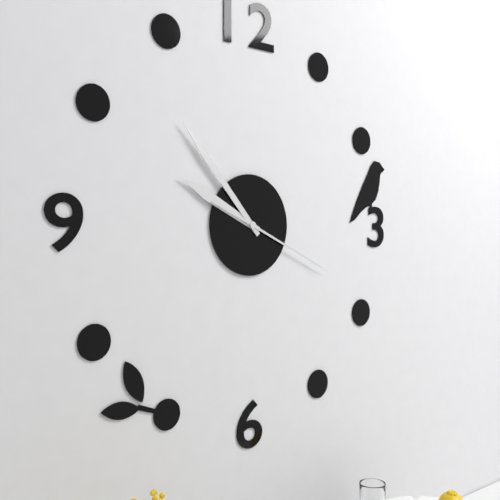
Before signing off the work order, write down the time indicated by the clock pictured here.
9:53:19
